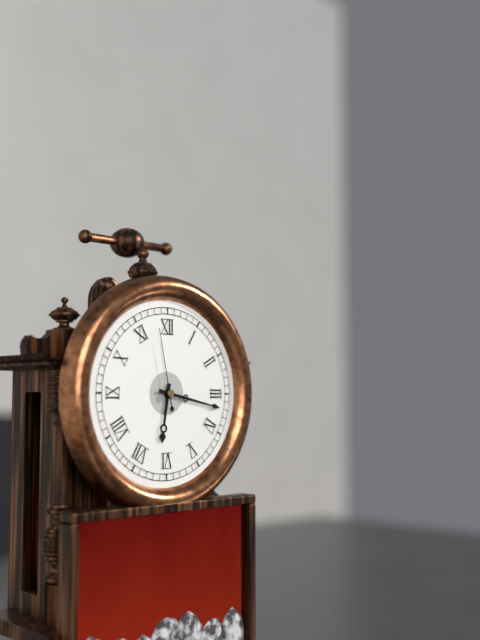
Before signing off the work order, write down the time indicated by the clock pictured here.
6:17:58
